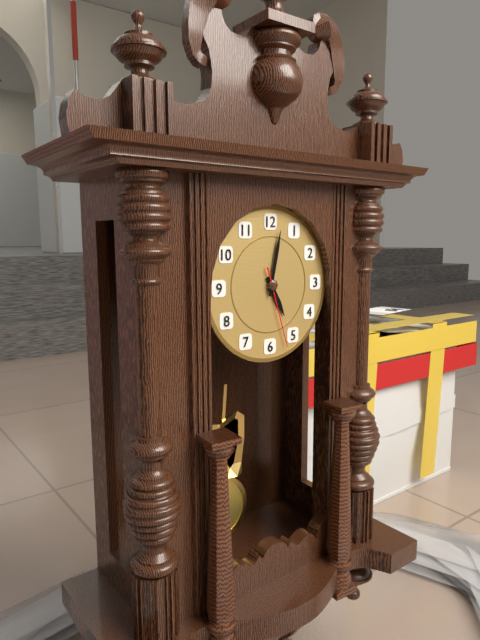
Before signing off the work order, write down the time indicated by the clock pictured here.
5:02:27
